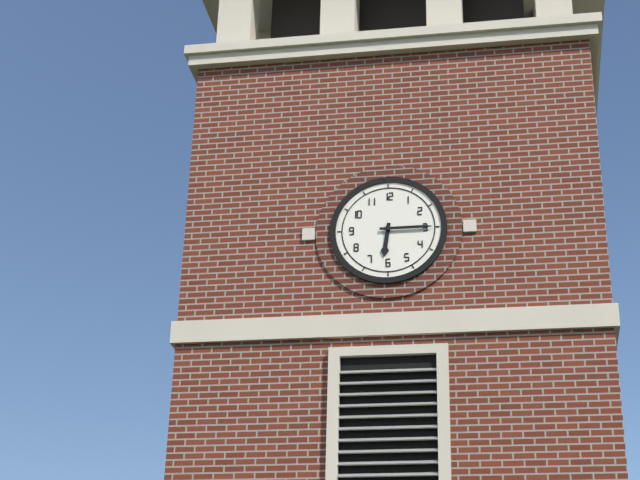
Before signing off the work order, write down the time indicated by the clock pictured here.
6:15
